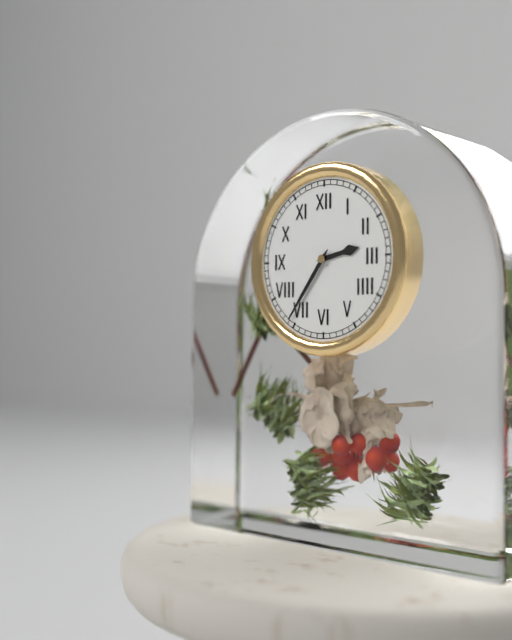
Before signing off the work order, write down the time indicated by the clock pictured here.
2:36
